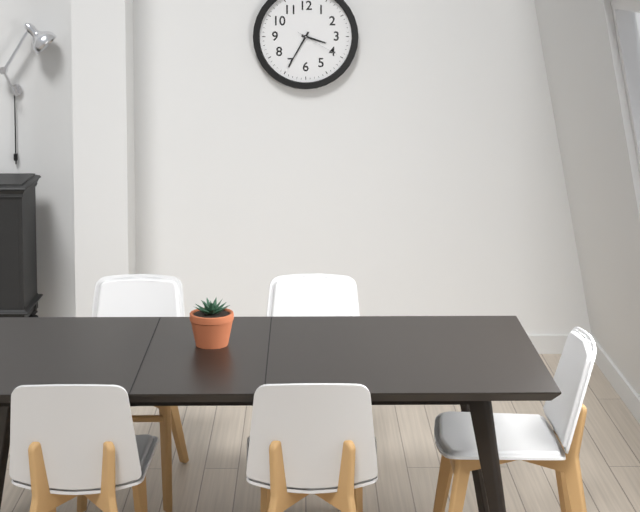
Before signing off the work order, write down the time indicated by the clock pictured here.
3:35
